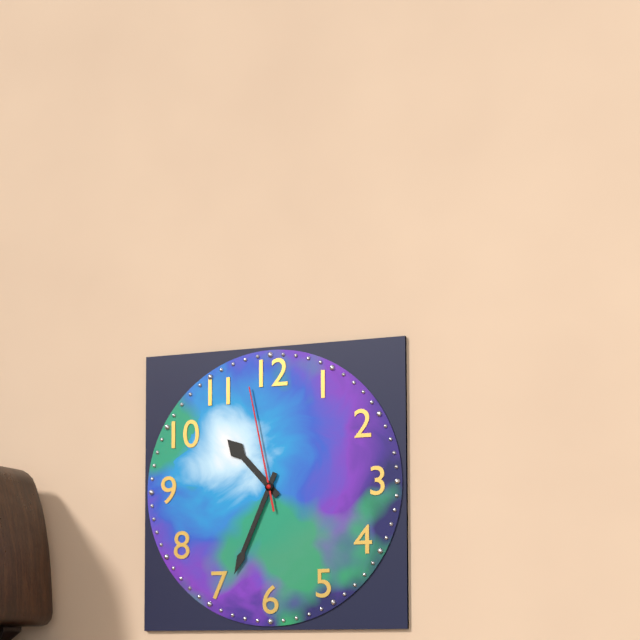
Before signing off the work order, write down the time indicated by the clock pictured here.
10:34:58
